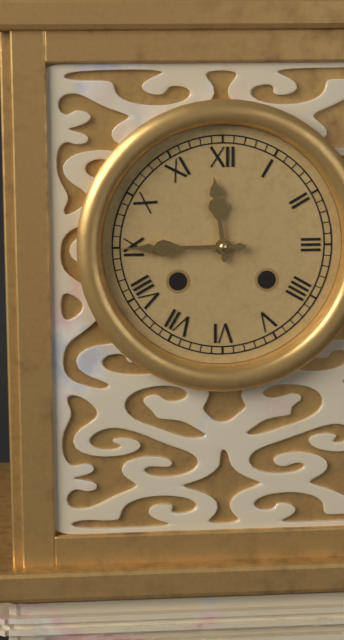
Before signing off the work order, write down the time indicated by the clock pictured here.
11:45
